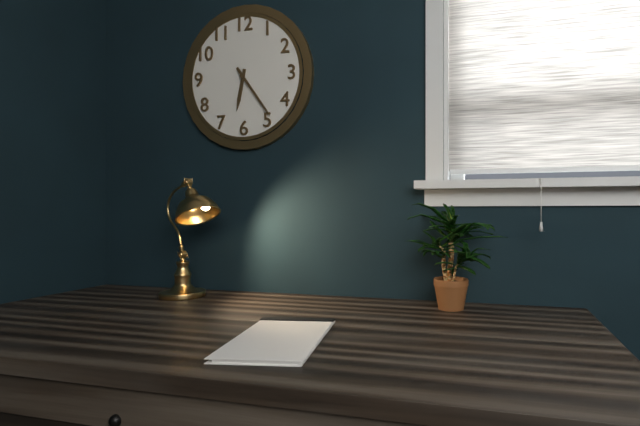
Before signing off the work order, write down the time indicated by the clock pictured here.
6:24
